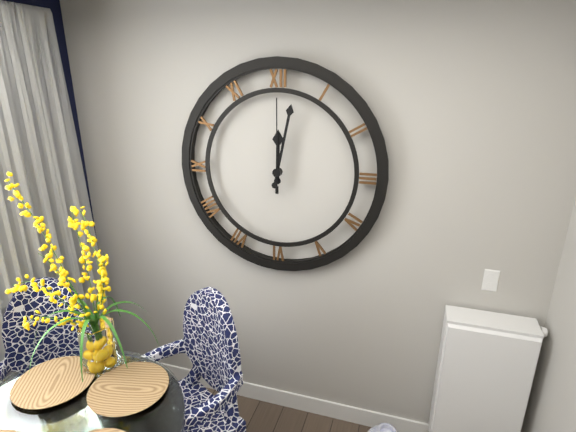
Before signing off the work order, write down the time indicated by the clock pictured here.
12:02:00
